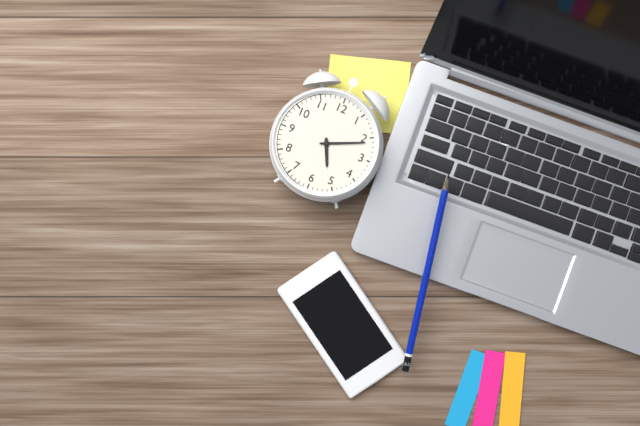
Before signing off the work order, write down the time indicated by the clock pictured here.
5:11
